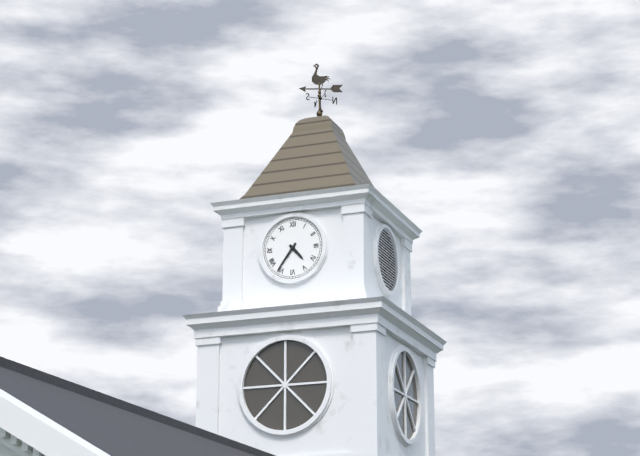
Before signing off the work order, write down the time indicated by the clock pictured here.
4:36
